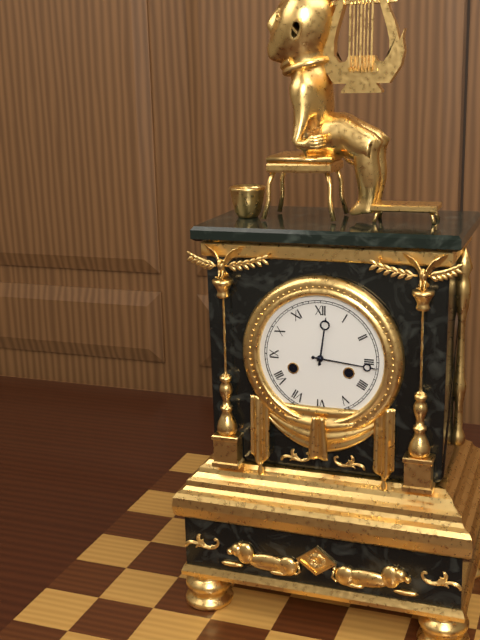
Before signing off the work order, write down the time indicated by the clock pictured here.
12:16
